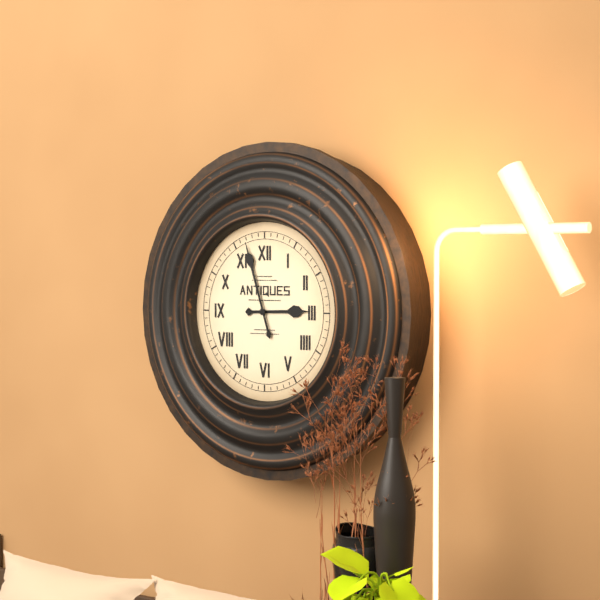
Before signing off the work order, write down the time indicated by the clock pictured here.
2:57
